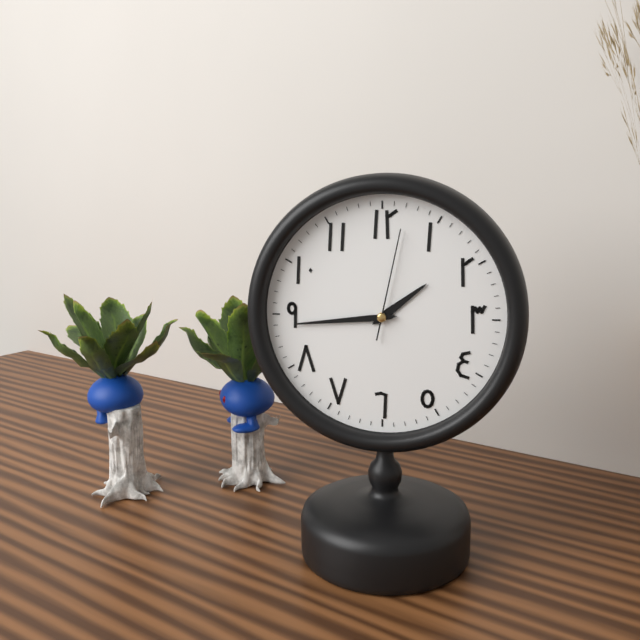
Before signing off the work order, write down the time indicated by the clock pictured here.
1:44:02
